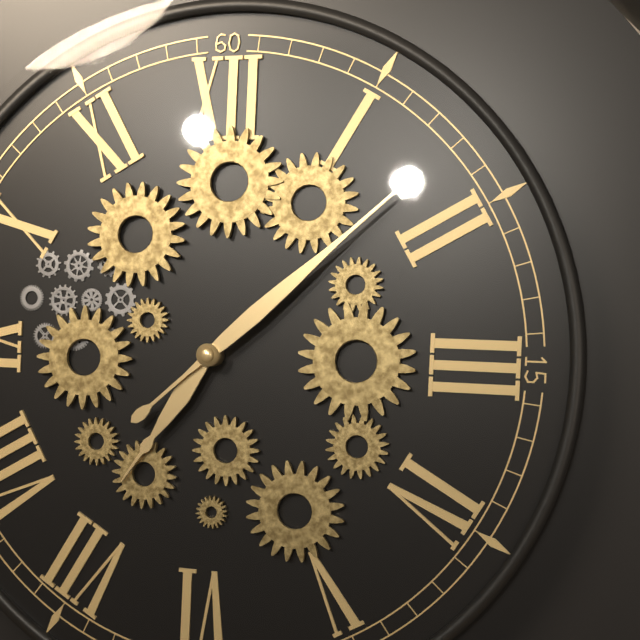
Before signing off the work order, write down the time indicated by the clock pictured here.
7:08
